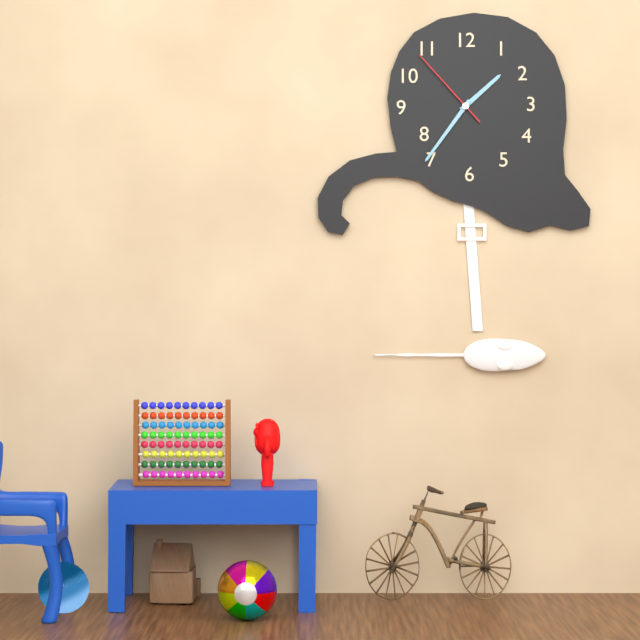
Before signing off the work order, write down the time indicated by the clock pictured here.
1:36:53
